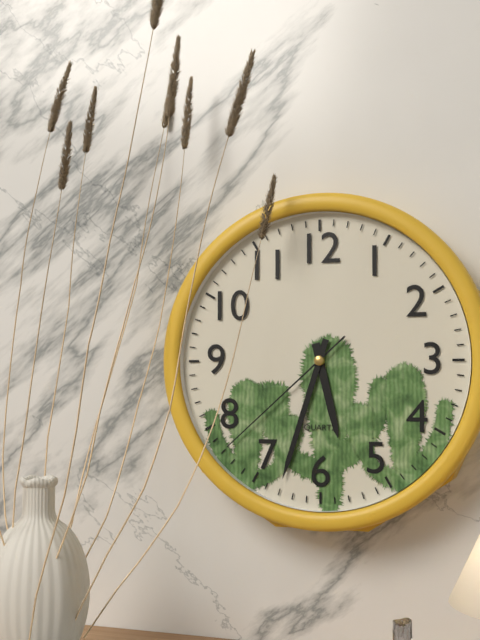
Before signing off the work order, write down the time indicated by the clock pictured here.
5:33:38
